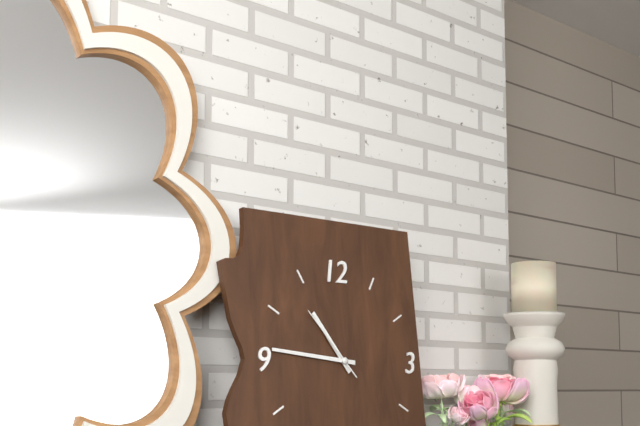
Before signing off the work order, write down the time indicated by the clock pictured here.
10:46:53
